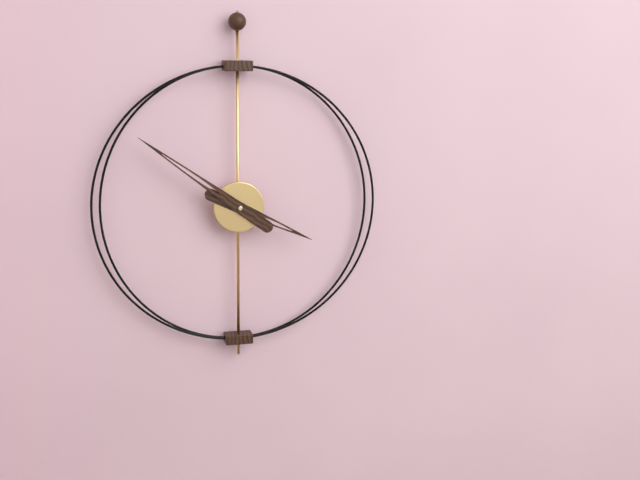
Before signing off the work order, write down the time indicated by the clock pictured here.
3:51
